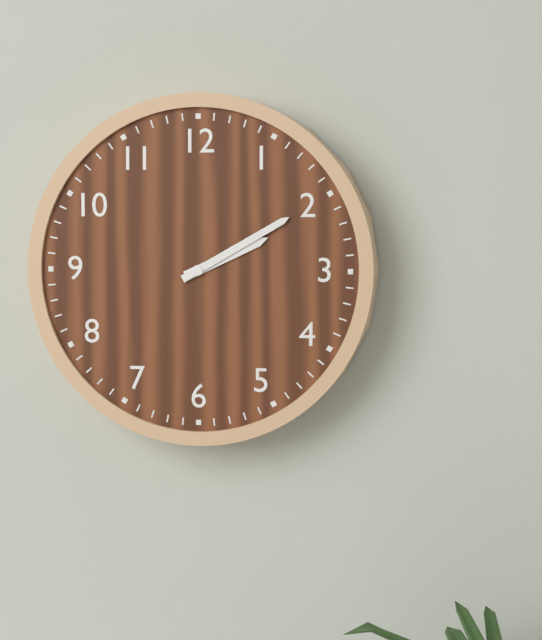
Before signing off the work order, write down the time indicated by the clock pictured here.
2:10
